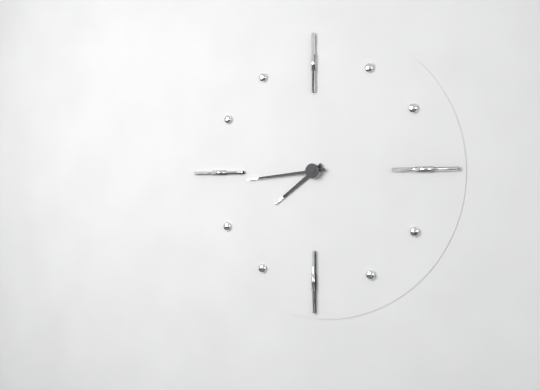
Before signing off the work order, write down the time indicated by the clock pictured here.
7:44
